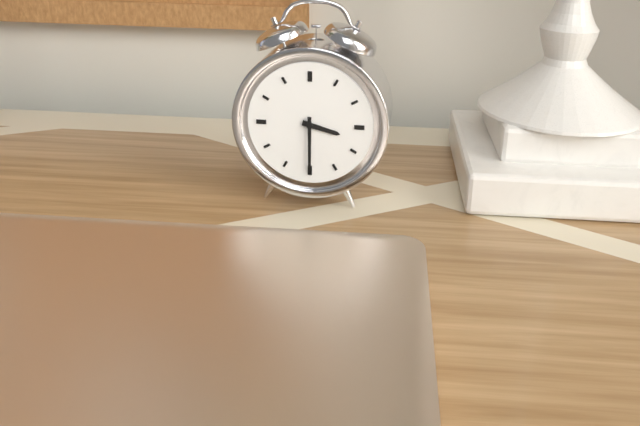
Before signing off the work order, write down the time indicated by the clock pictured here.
3:30
